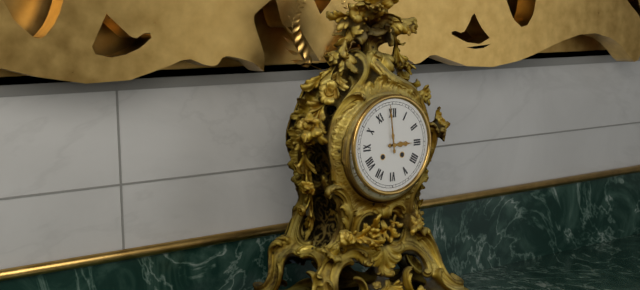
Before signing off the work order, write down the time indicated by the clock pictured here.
2:59
